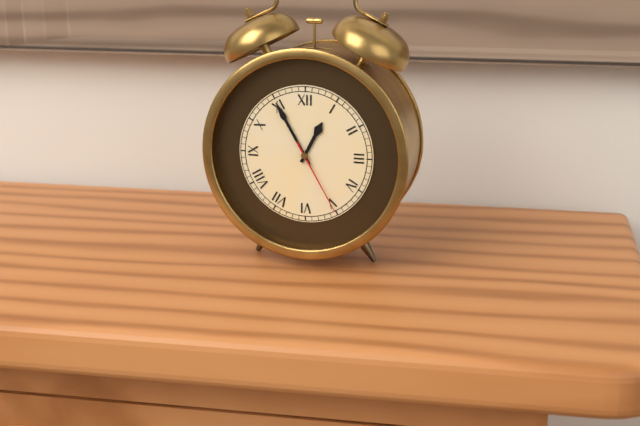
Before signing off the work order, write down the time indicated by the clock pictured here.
12:55:25
